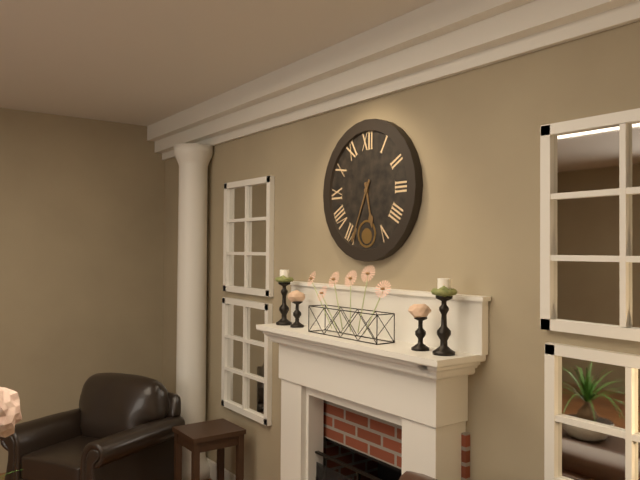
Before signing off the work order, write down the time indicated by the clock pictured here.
5:34
